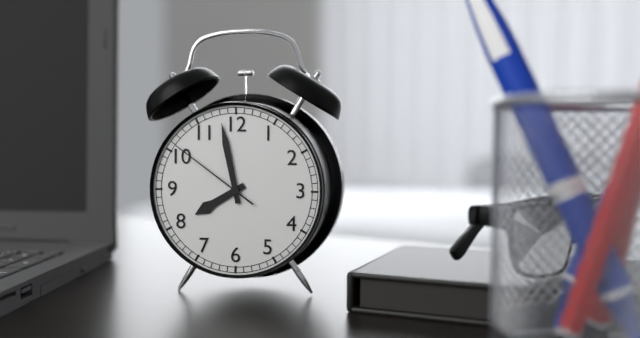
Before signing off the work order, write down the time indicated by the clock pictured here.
7:58:51
